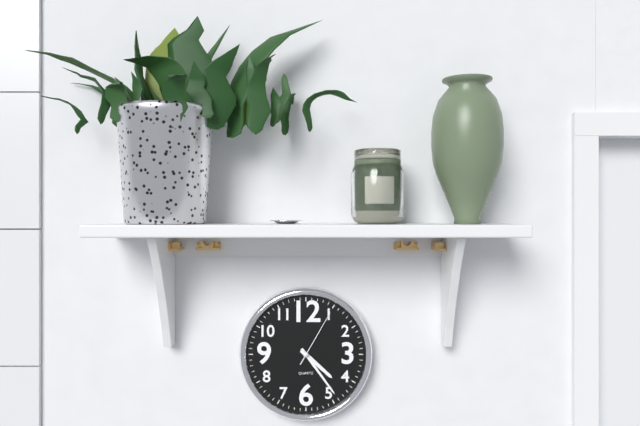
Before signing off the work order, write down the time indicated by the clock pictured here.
4:24:05
